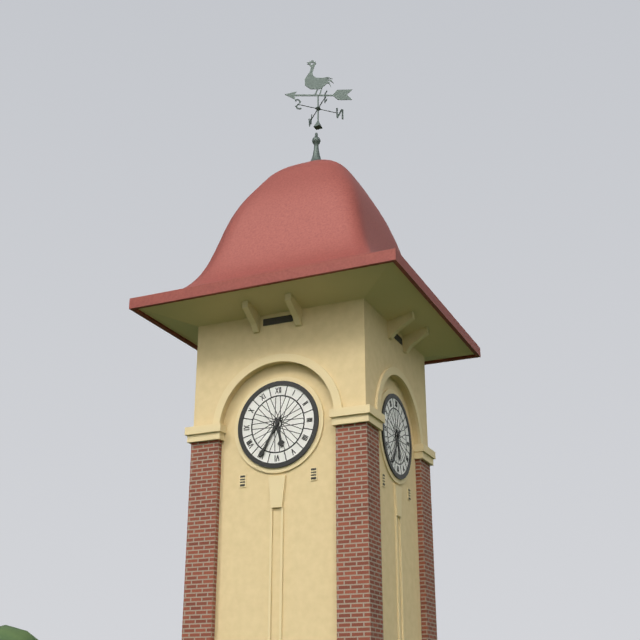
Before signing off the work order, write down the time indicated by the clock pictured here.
5:35
